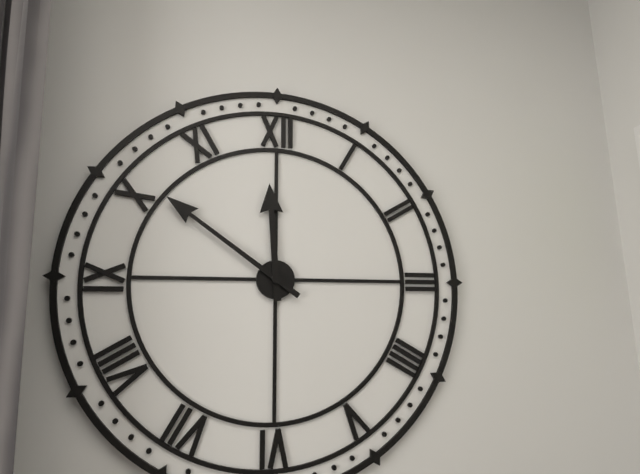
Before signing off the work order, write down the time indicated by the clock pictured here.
11:51
